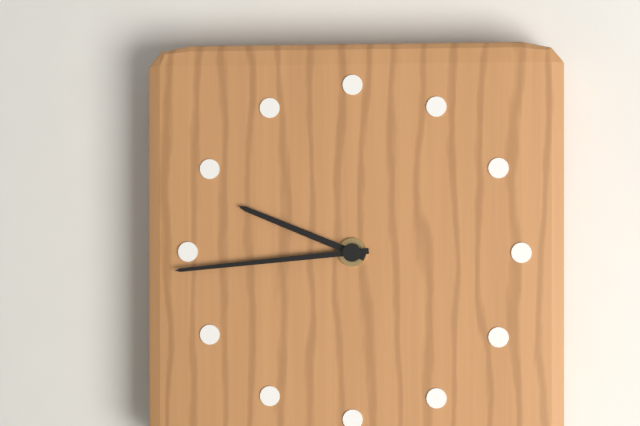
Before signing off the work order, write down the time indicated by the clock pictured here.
9:44
